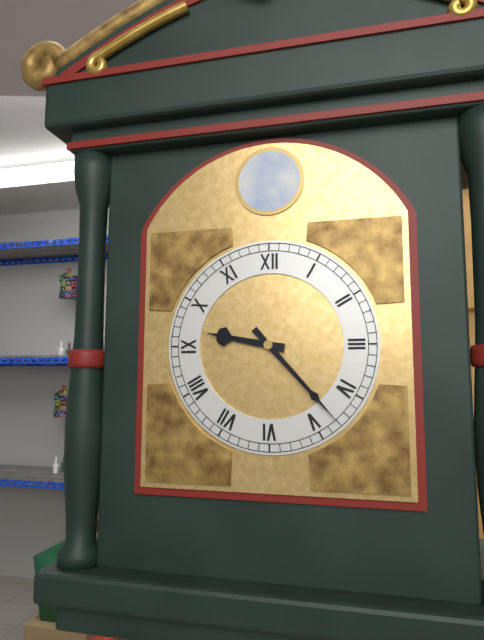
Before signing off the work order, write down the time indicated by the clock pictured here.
9:23
